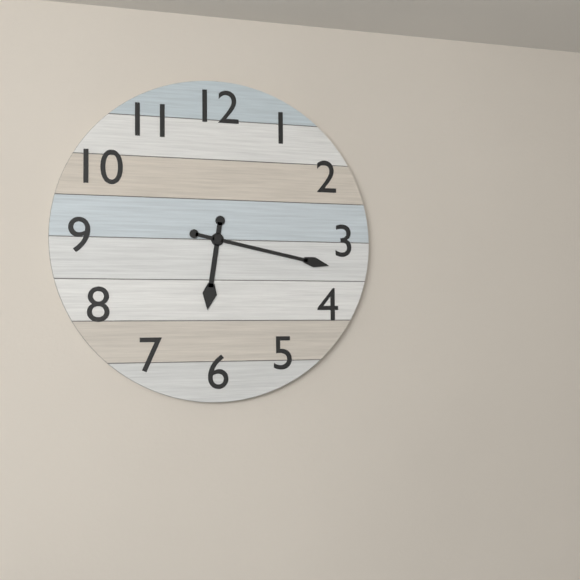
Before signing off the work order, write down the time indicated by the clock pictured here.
6:17
